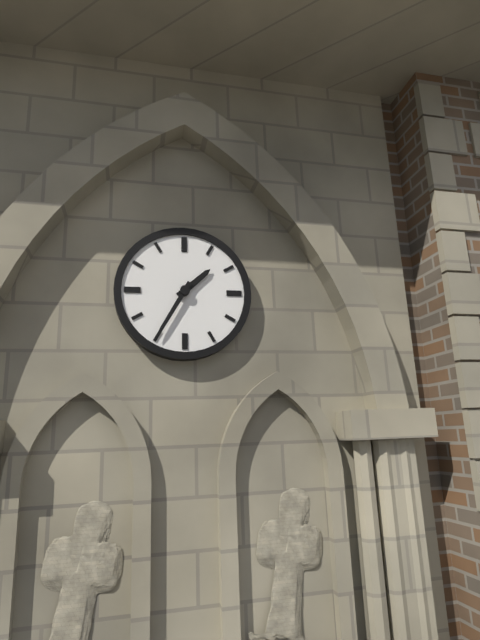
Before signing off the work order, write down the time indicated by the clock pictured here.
1:35
